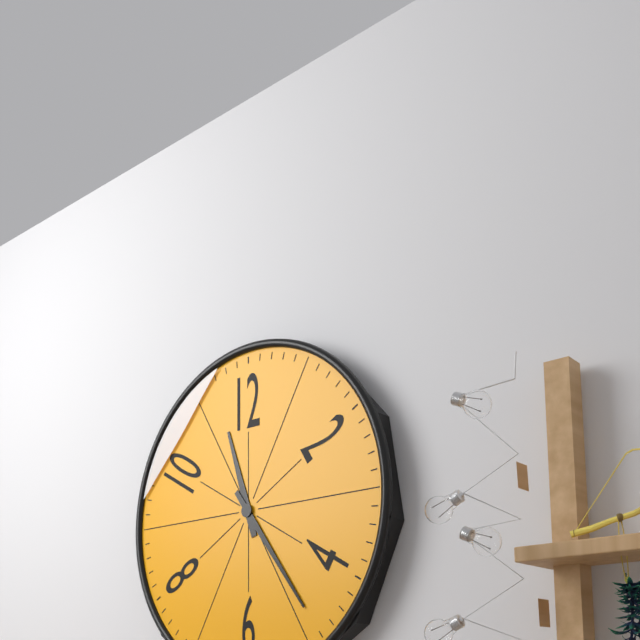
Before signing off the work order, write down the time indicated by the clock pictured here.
11:24
